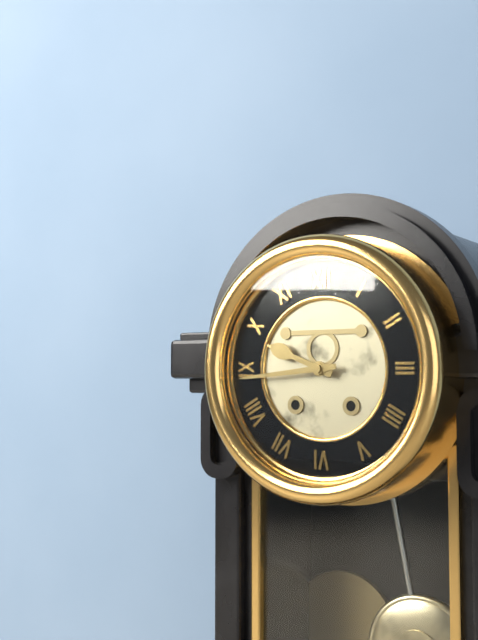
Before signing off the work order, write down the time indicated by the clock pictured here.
9:44
